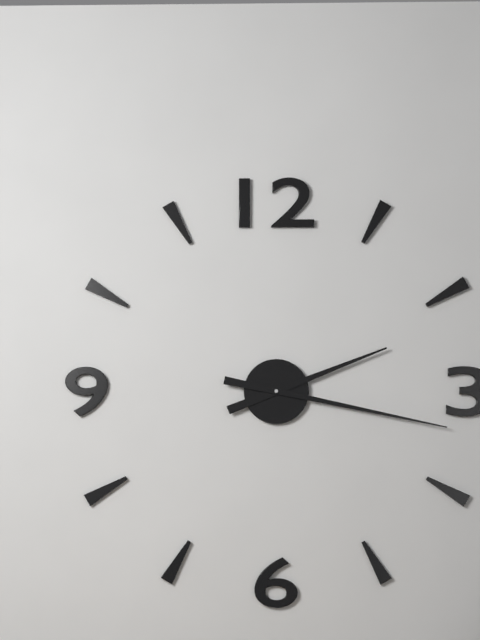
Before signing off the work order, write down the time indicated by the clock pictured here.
2:17
